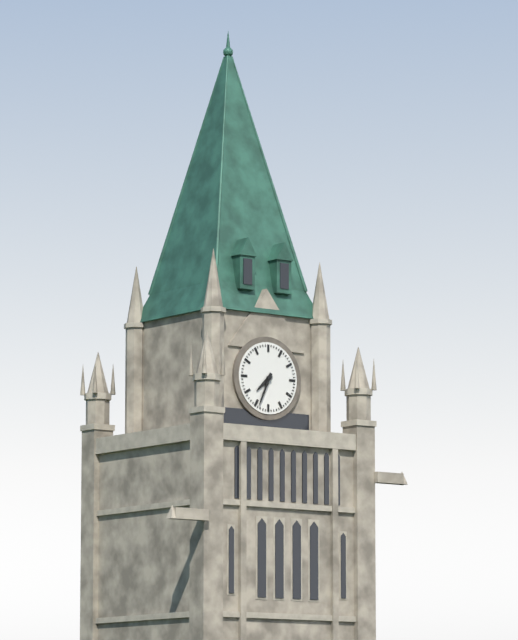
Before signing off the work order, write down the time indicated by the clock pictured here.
7:34
